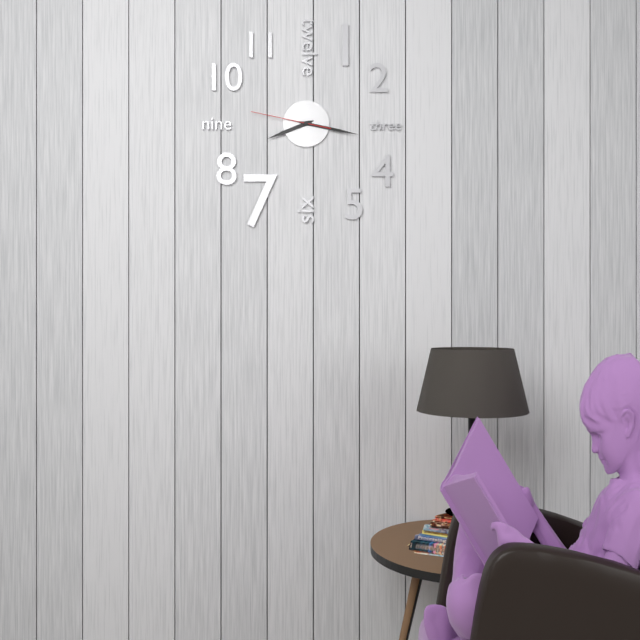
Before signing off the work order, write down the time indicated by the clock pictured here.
8:17:47
